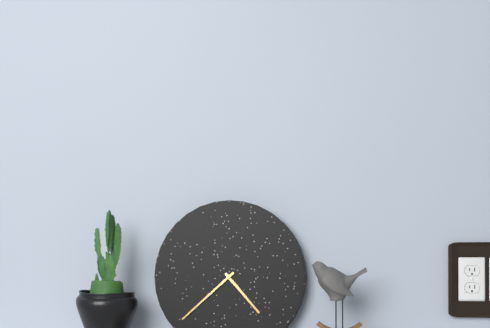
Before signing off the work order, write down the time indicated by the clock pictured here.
4:38
